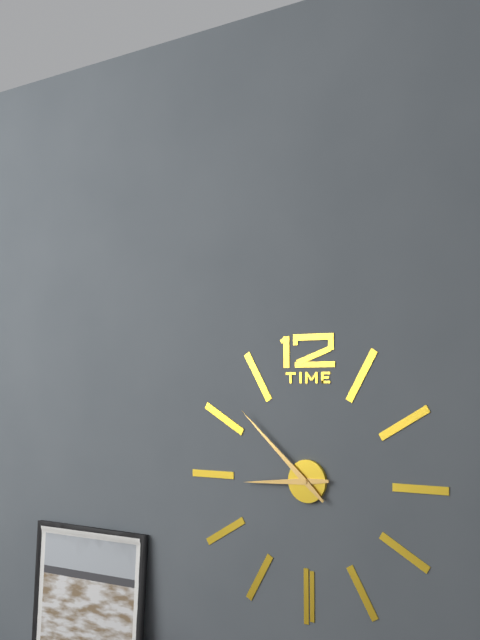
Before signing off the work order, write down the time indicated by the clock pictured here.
8:52
